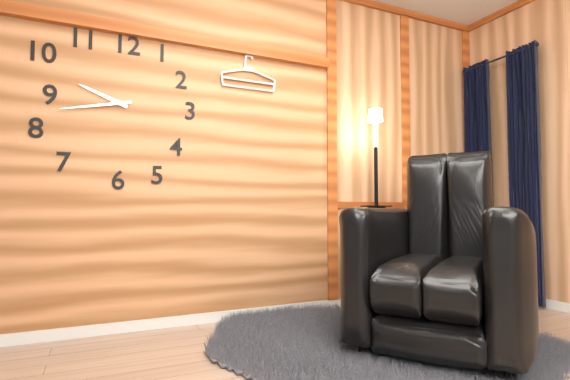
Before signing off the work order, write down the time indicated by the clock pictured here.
9:43
